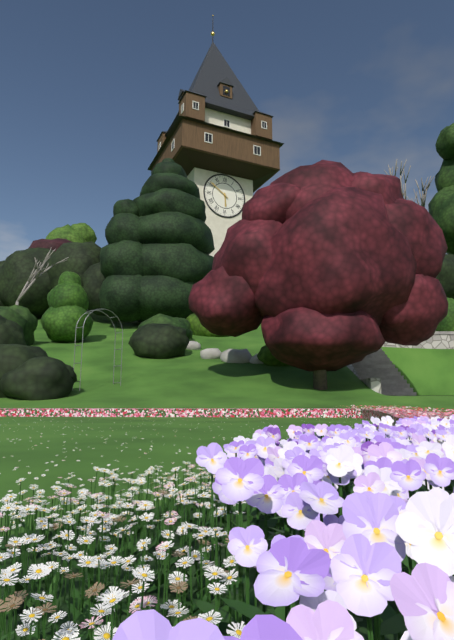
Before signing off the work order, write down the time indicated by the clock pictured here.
5:51
